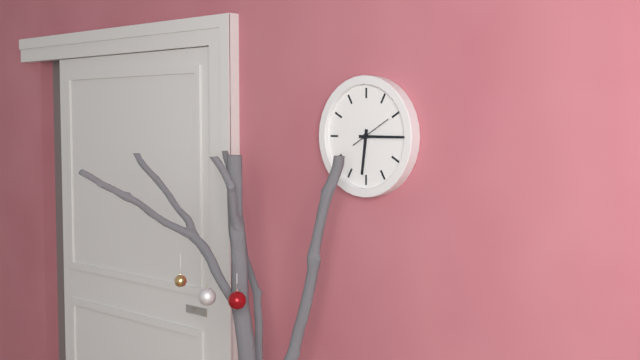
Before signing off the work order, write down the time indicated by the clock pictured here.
6:15
